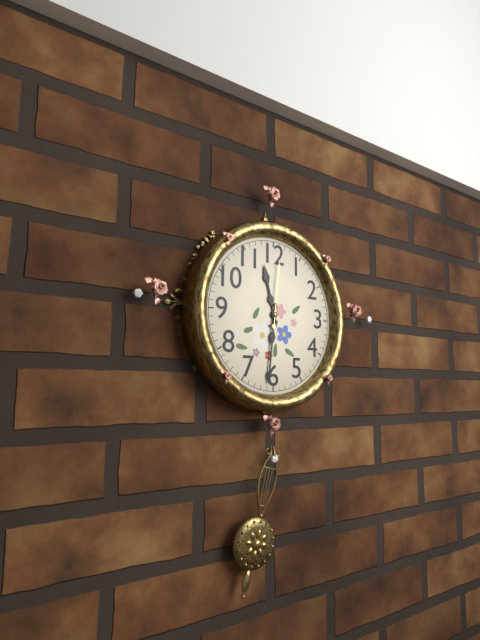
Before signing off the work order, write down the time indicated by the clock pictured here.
11:31:01
